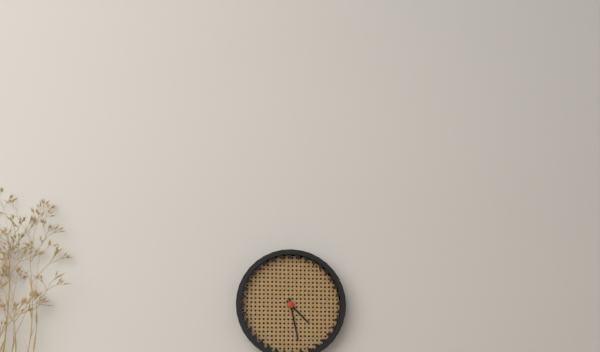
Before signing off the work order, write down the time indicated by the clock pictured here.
4:28
